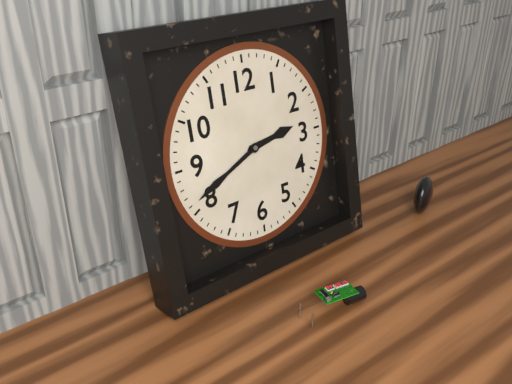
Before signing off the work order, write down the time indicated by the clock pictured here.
2:41
